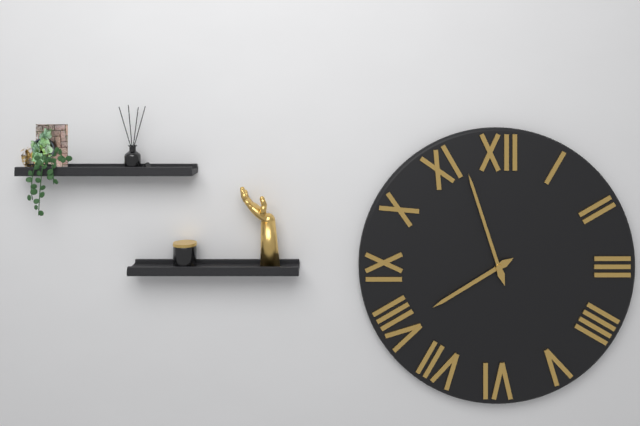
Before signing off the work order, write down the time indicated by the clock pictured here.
7:57
